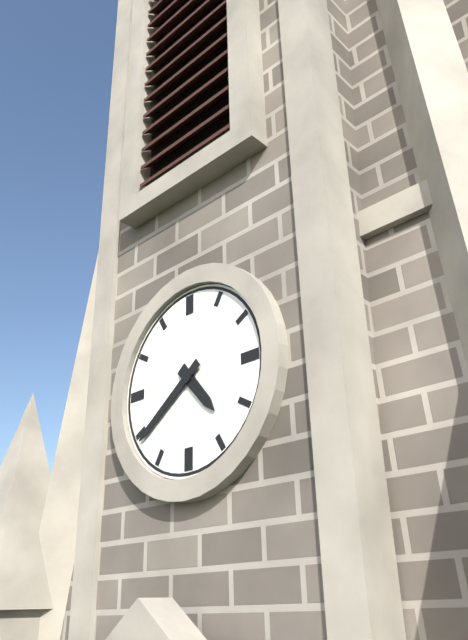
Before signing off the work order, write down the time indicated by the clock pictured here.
4:39
